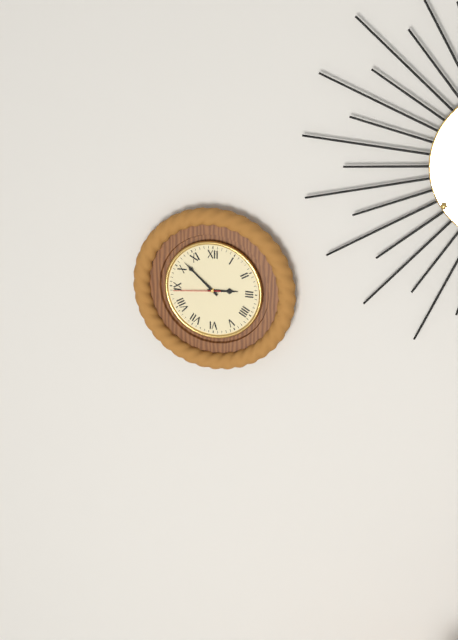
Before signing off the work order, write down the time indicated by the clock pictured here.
2:52:44
